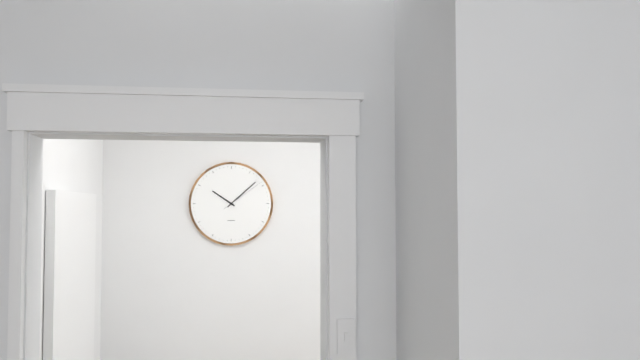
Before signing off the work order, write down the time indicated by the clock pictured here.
10:08
